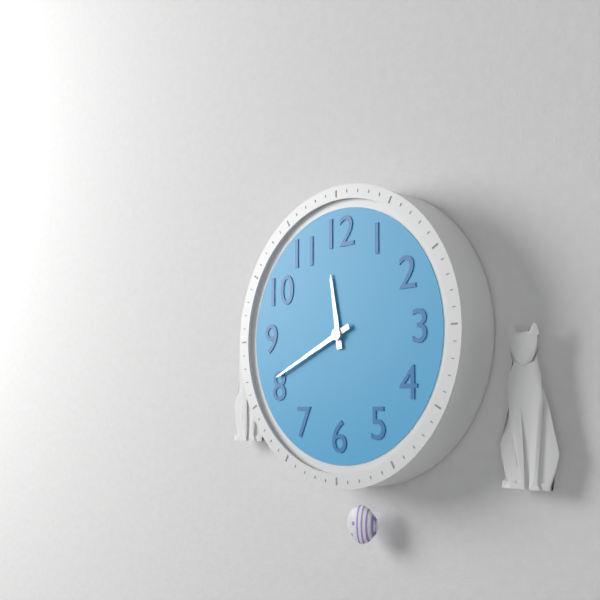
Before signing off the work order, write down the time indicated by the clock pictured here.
11:41
